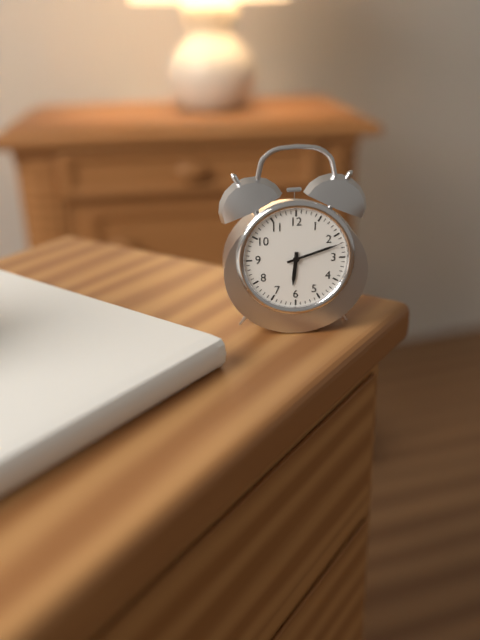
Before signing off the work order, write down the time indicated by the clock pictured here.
6:12
